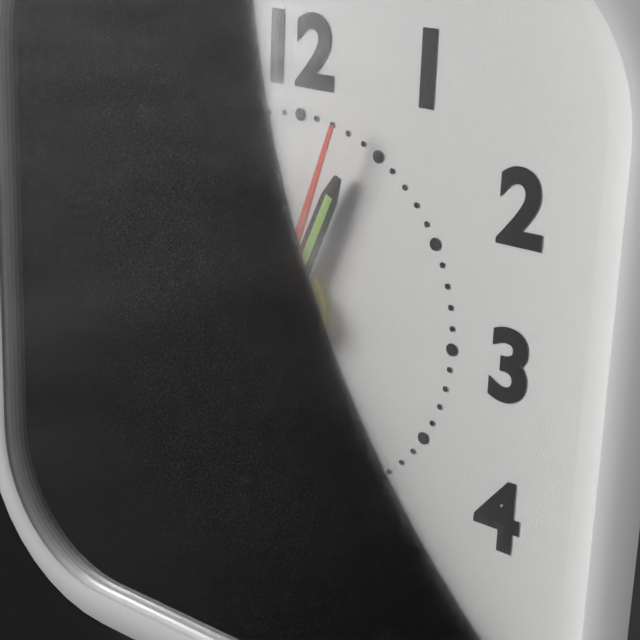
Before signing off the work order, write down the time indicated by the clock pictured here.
12:45:03
